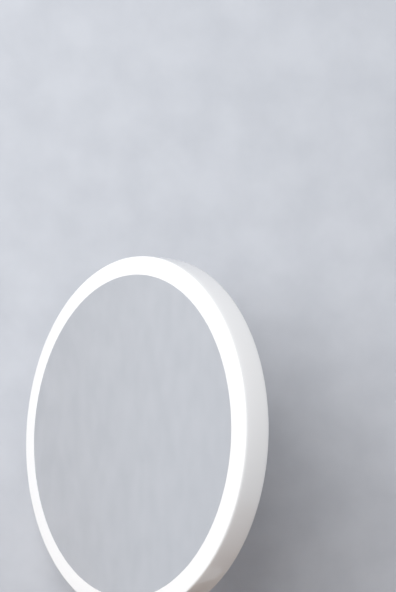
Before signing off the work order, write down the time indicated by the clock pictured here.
2:32
